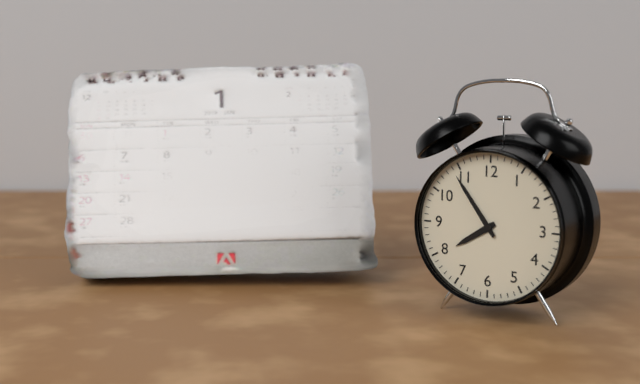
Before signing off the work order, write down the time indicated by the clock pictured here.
7:54
